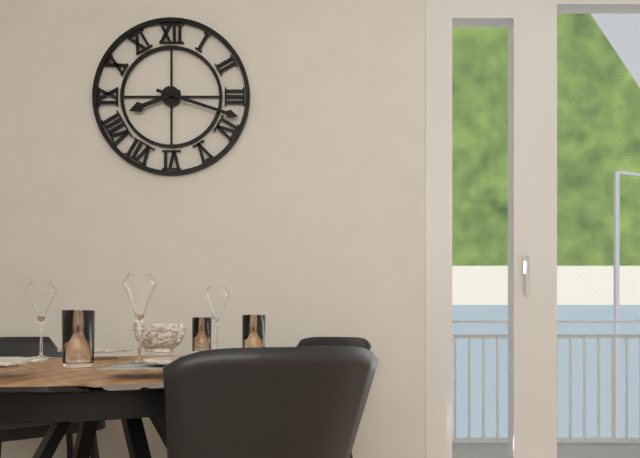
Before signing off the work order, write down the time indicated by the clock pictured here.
8:18
